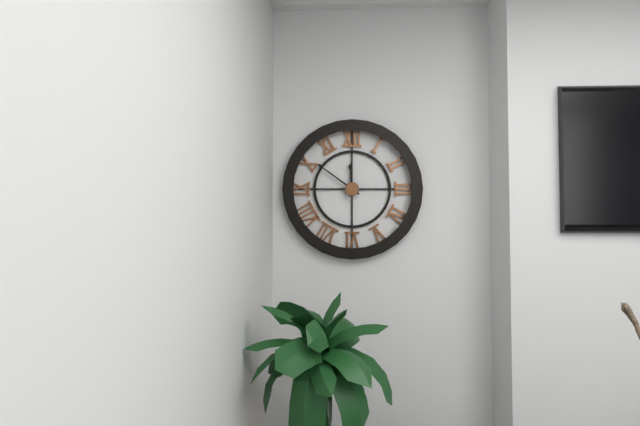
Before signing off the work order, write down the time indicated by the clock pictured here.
11:51
